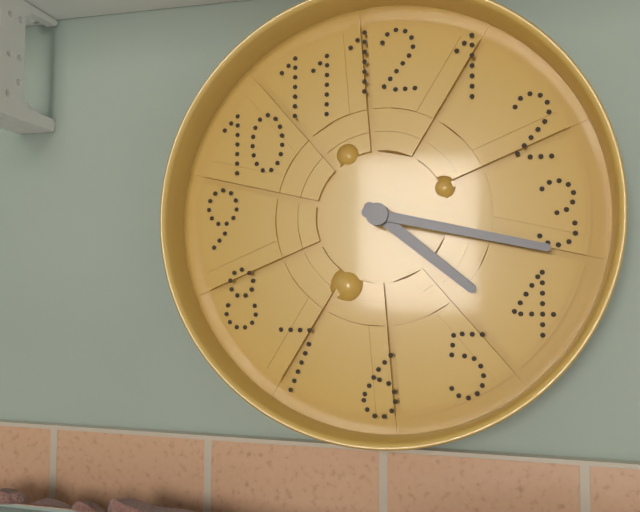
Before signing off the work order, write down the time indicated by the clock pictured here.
4:17
